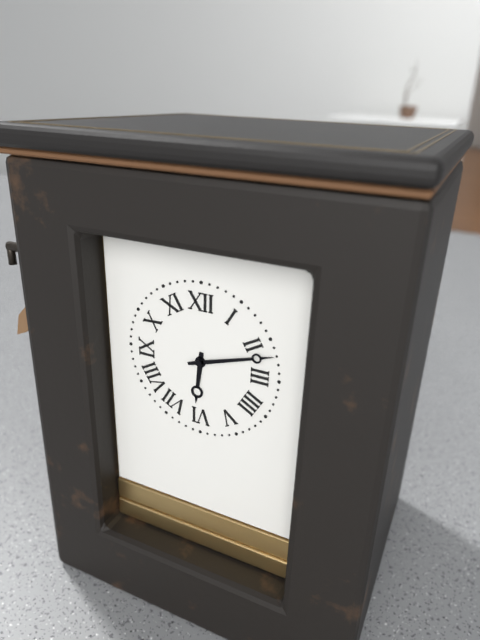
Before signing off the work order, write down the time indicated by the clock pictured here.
6:12
